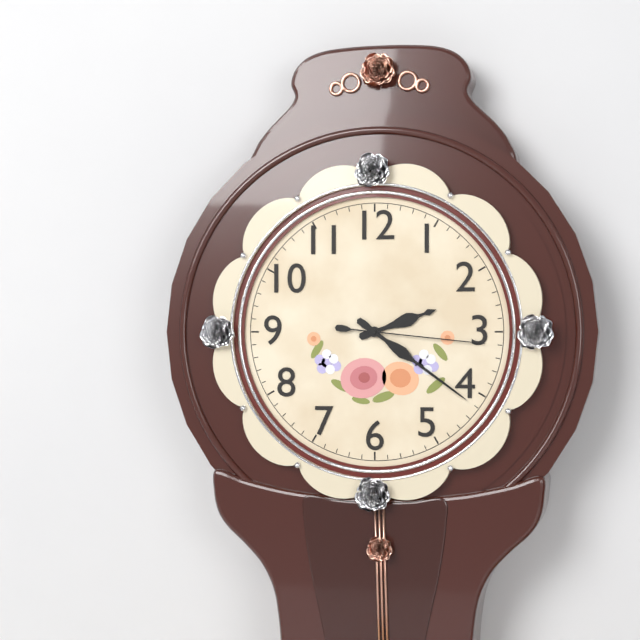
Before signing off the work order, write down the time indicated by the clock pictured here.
2:21:16
